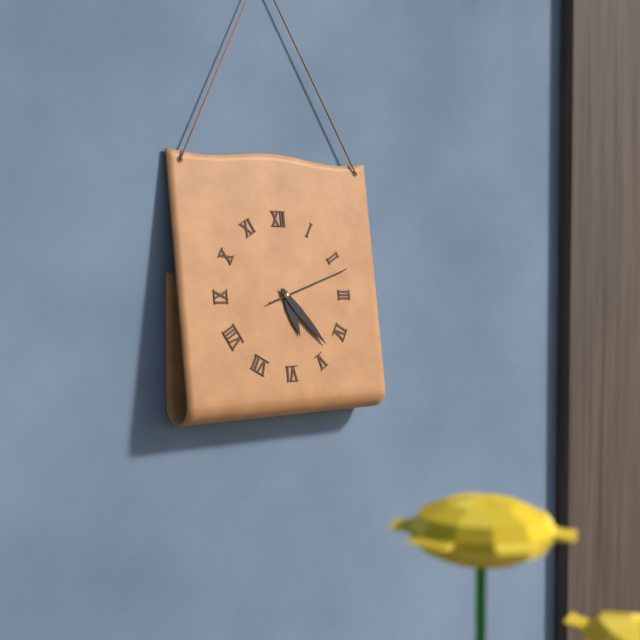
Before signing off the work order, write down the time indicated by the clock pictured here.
5:23:12
